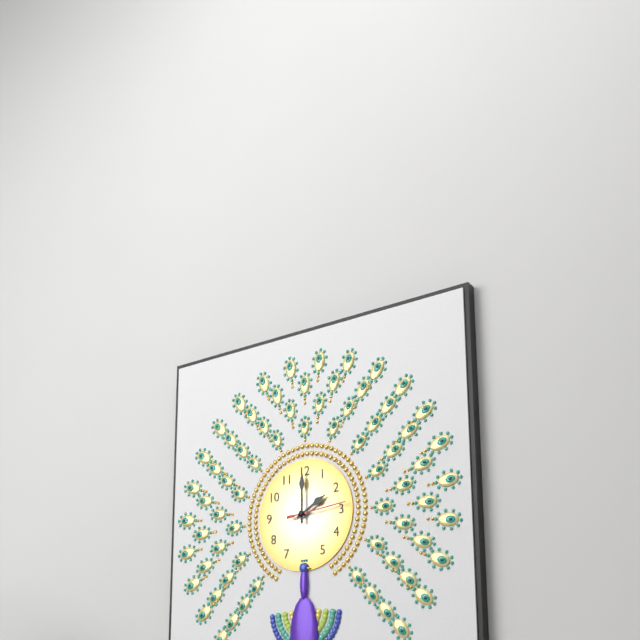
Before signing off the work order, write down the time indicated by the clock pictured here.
2:00:14
